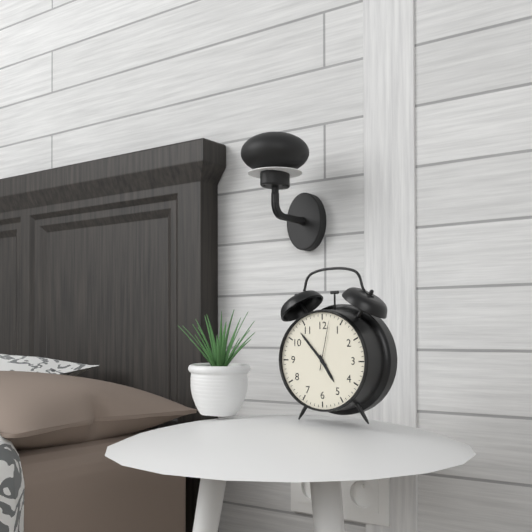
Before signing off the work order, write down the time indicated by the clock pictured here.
4:53:02
